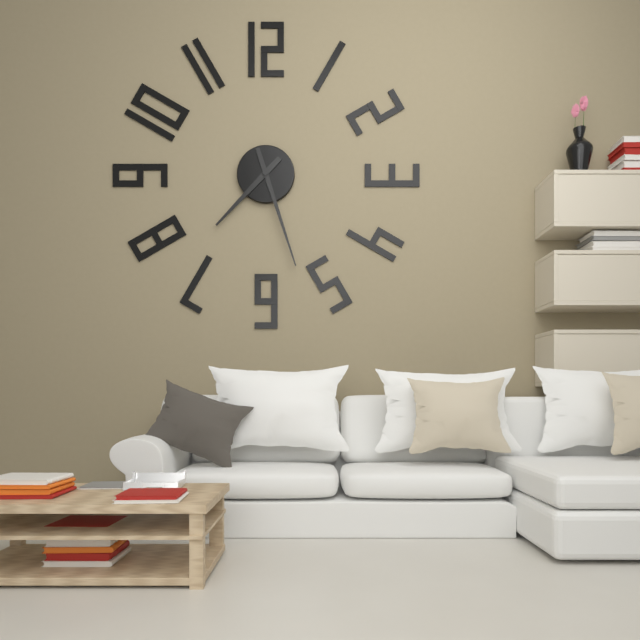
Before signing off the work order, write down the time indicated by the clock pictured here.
7:27
